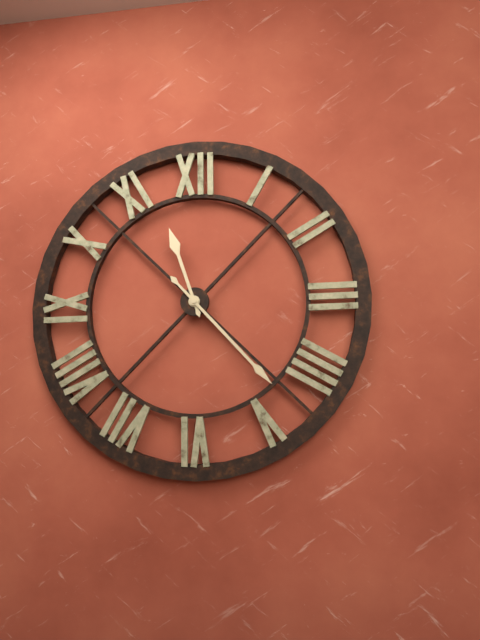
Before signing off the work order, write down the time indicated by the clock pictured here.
11:23
